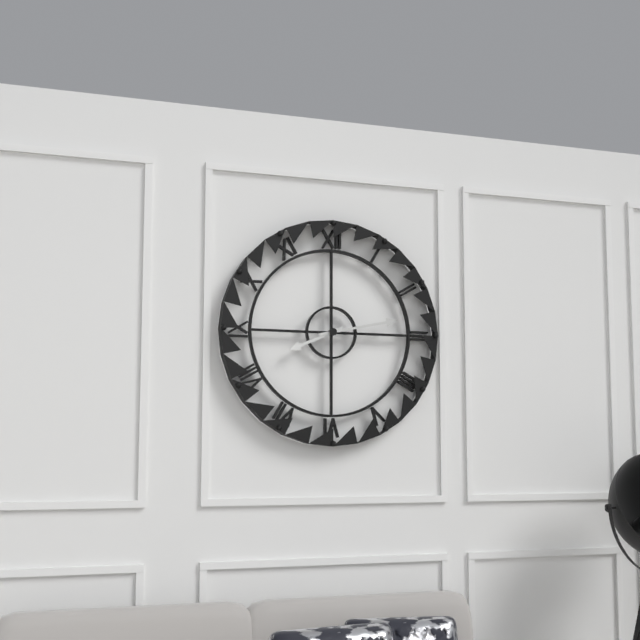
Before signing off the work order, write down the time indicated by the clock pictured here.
8:13
